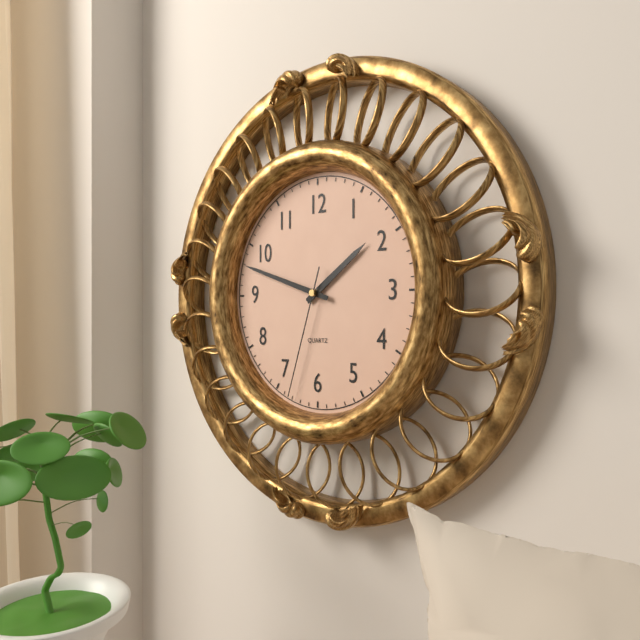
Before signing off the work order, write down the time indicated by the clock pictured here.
1:48:33
